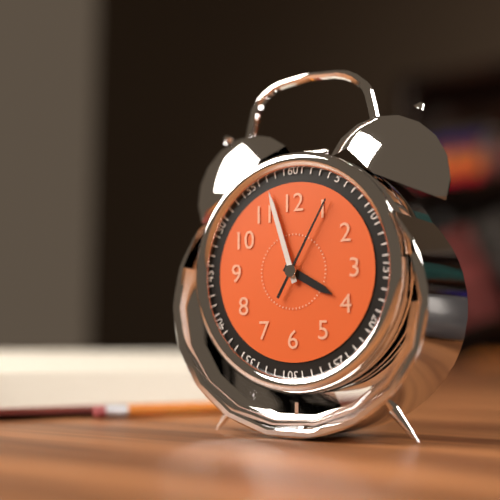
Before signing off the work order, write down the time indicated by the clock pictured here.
3:57:05
